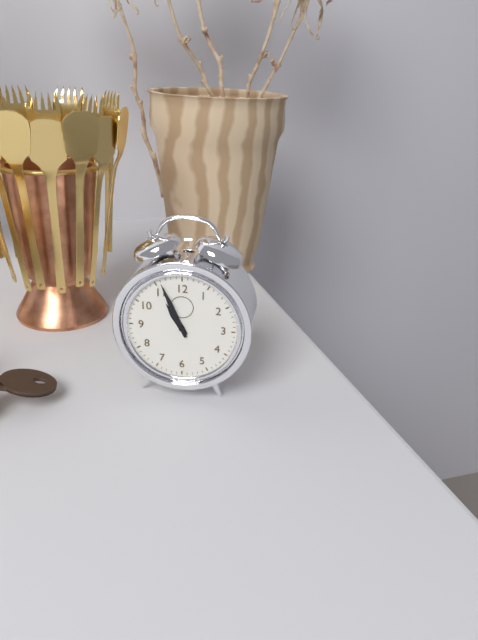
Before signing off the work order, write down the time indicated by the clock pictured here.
10:56
